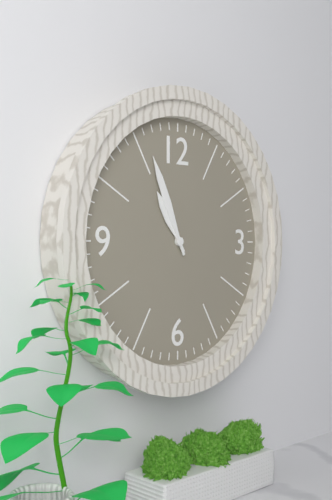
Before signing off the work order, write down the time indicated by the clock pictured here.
10:56
